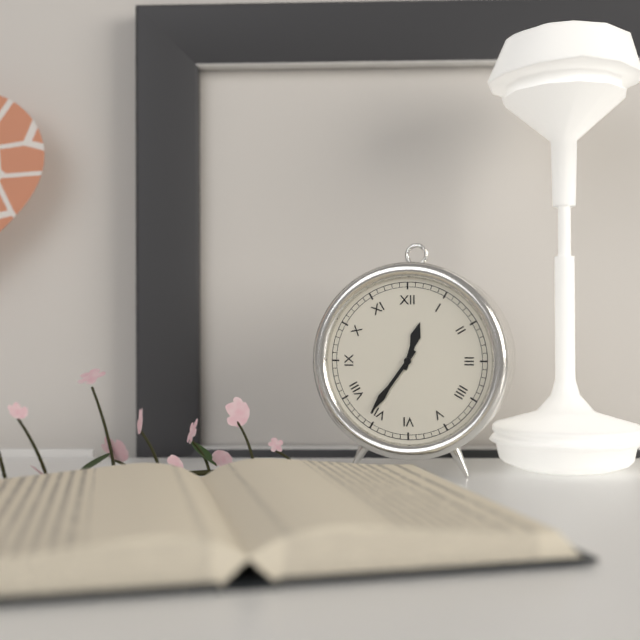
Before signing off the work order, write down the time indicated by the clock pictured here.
12:36
